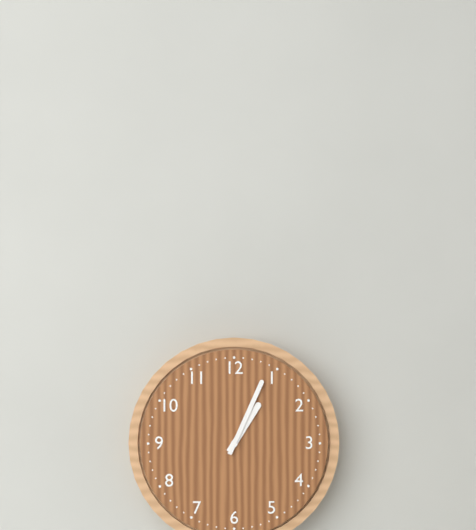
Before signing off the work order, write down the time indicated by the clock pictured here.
1:04
